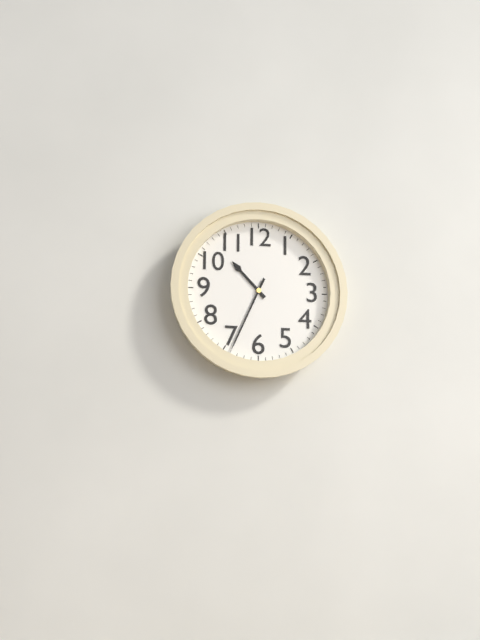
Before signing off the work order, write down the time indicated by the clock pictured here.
10:34
